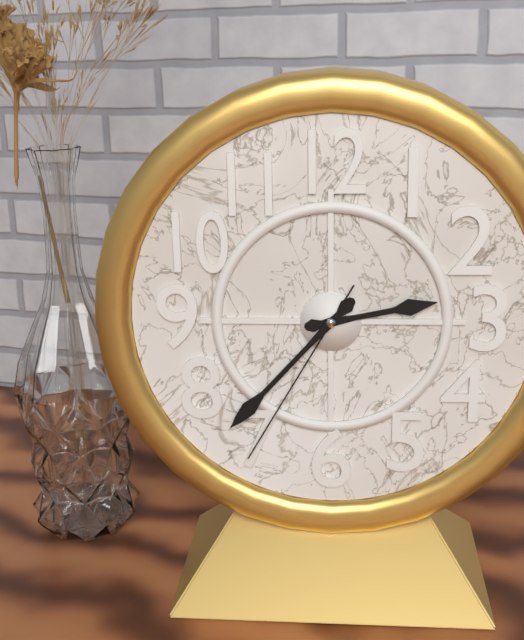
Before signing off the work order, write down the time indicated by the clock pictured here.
2:37:35
